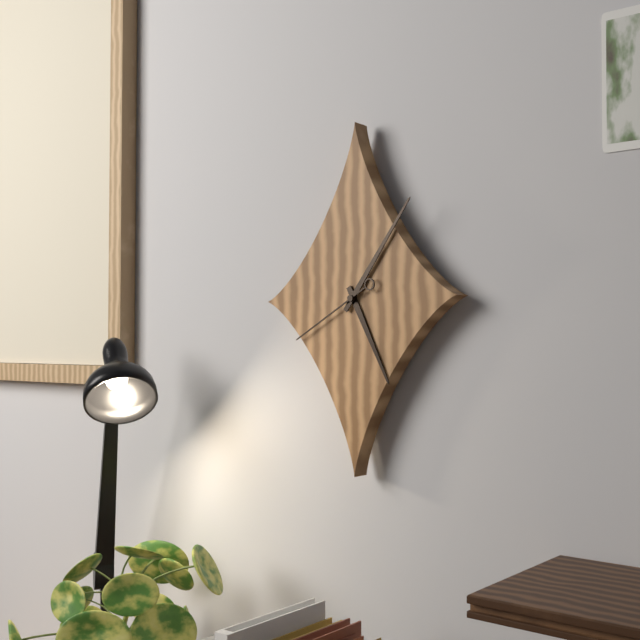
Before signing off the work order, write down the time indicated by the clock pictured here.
5:06:40
